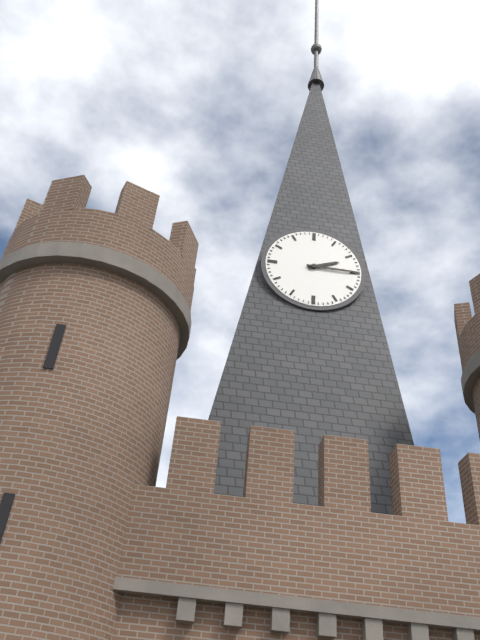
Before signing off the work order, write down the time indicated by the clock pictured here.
2:15
